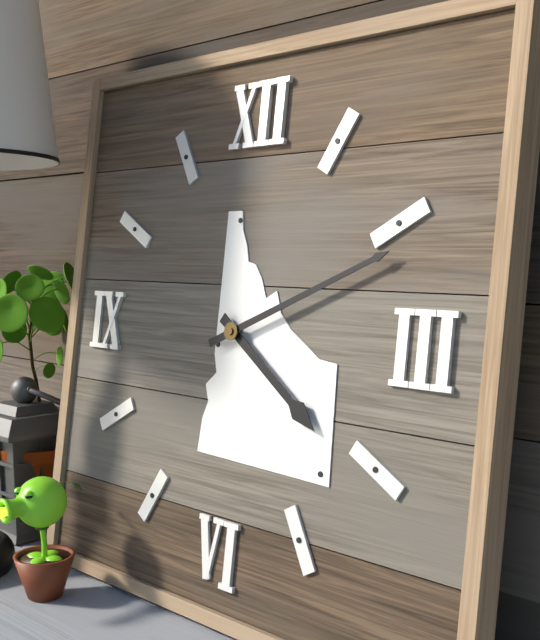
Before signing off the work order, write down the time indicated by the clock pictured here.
4:11
